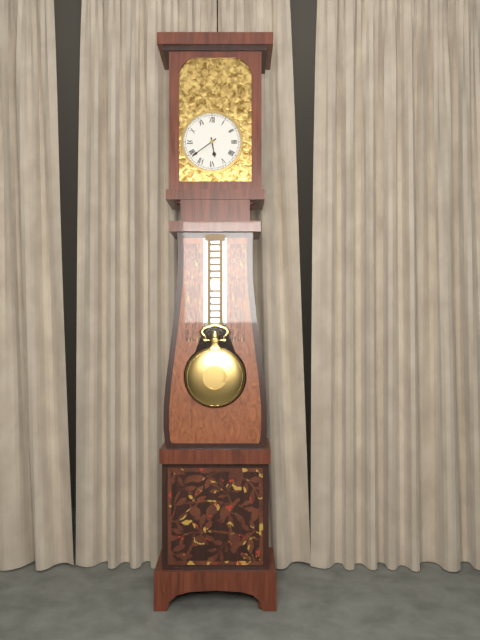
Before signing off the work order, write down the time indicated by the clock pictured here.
5:39
